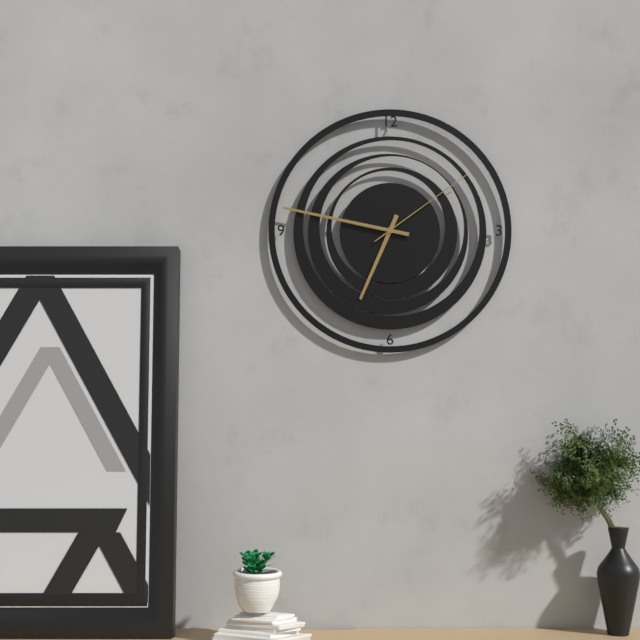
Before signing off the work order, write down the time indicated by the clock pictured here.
6:47:09
